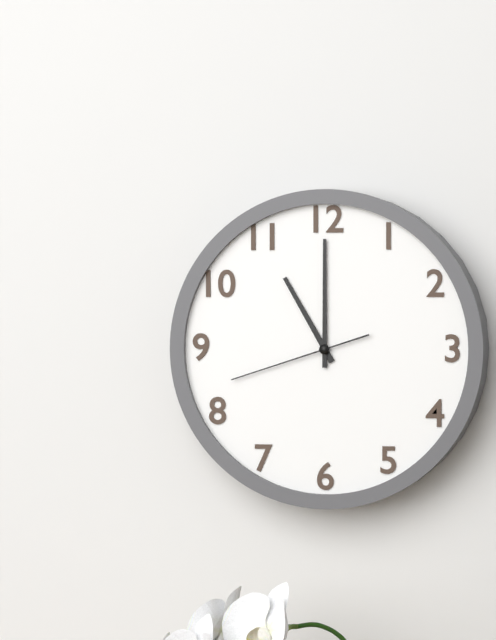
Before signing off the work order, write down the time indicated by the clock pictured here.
11:00:42
